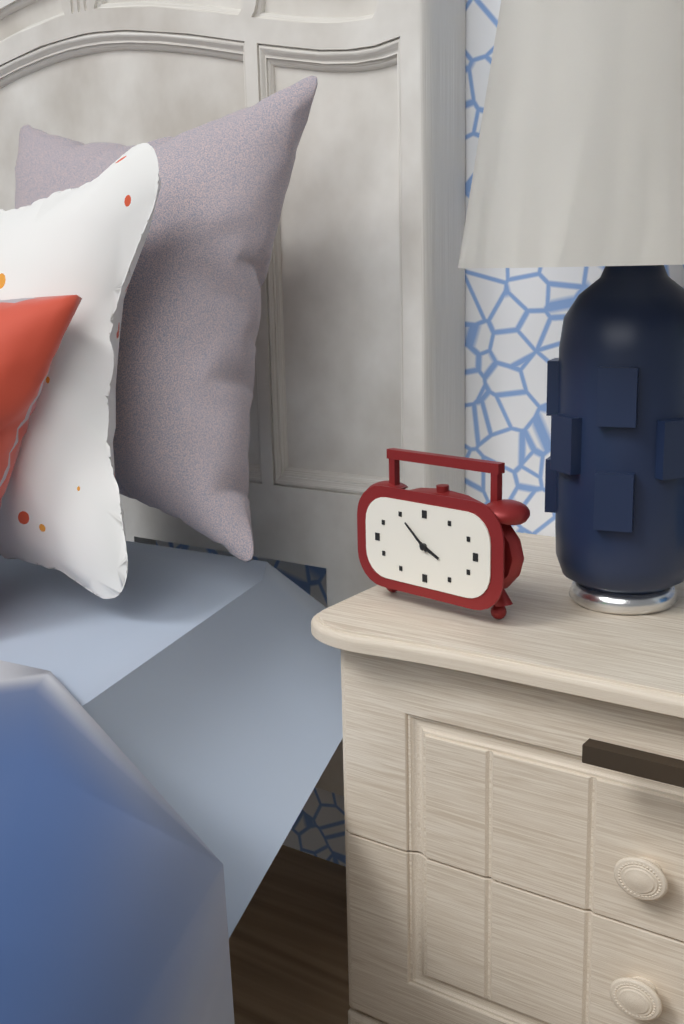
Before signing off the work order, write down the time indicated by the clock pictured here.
3:52
